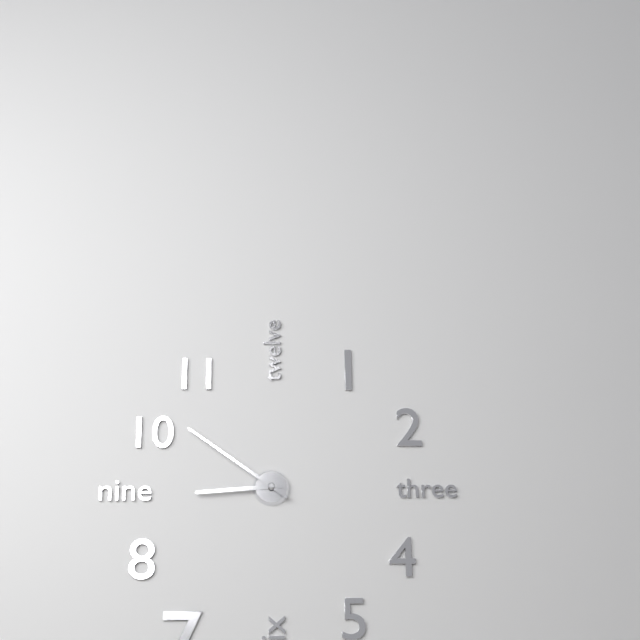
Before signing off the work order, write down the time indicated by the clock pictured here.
8:51
